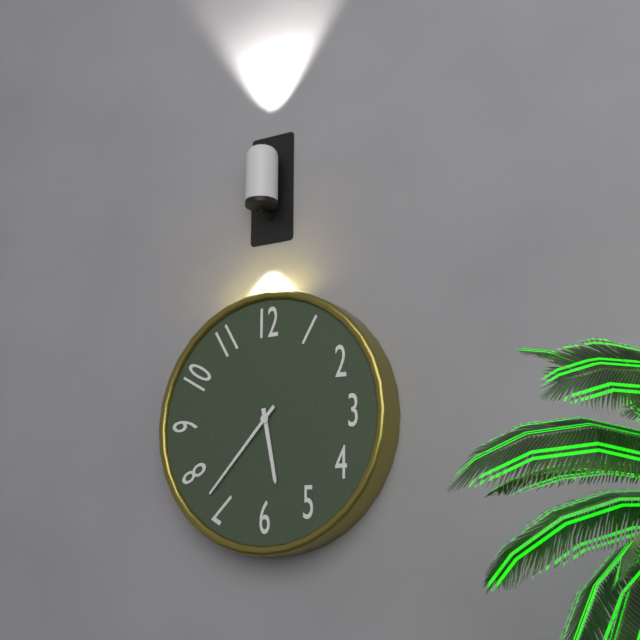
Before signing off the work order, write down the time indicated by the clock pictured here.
5:37
